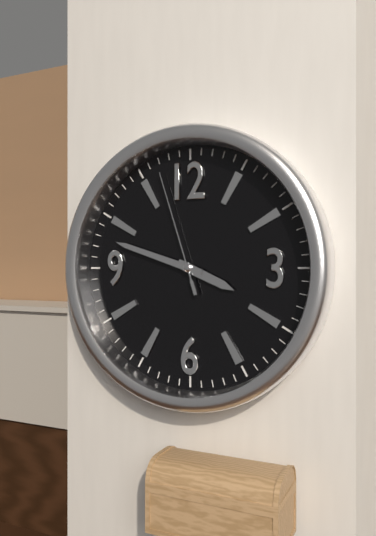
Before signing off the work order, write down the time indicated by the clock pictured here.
3:48:57
